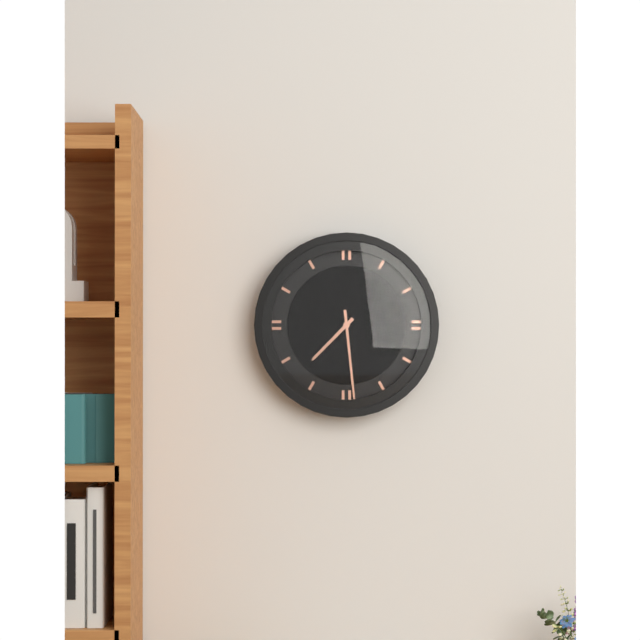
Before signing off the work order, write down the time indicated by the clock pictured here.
7:29
